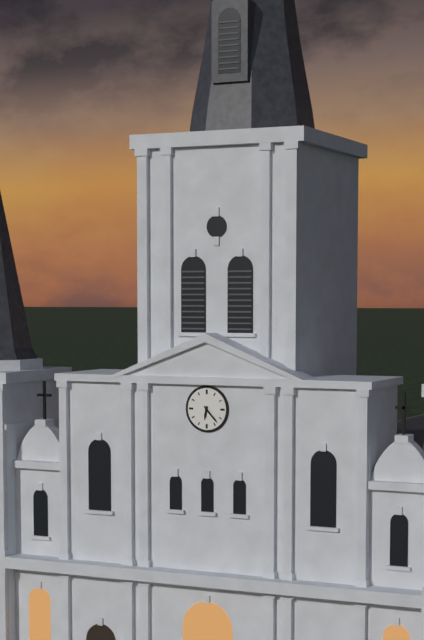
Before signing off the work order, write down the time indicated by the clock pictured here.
6:23
